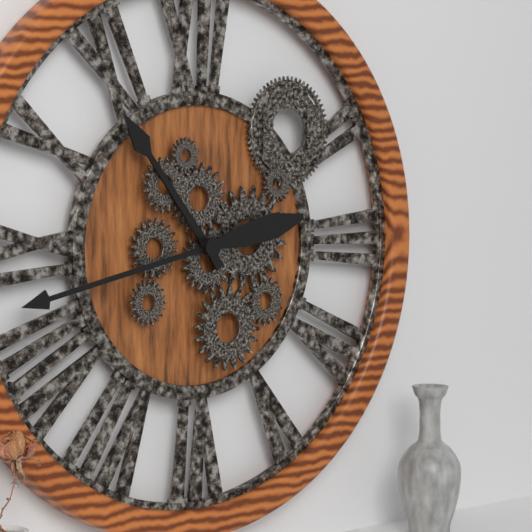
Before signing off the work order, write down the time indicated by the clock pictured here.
10:43
